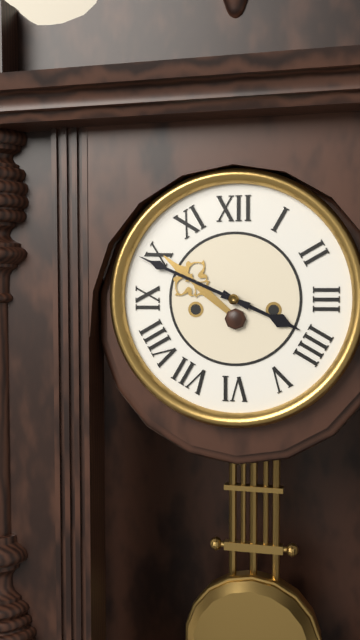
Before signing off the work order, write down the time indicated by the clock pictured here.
3:49
